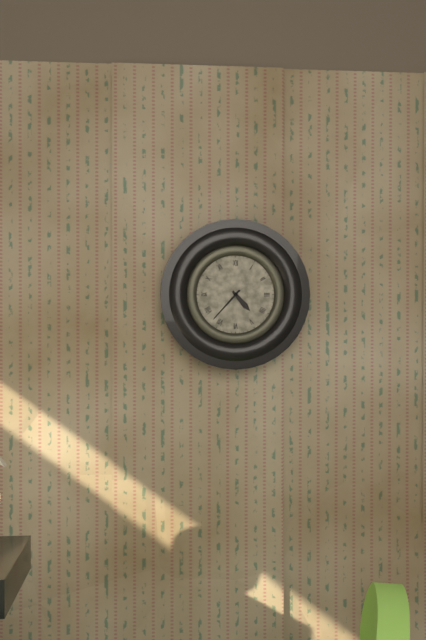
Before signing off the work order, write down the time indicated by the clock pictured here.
4:37
